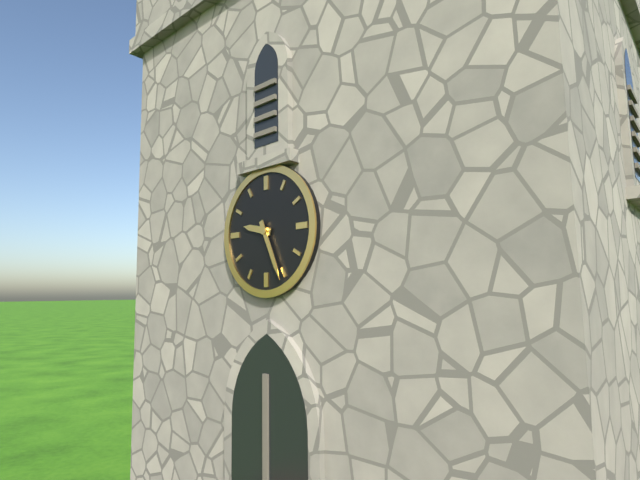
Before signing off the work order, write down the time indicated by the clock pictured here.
9:26
